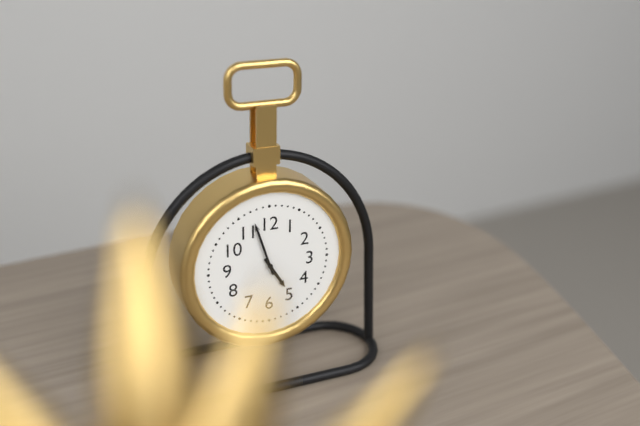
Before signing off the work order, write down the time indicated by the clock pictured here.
4:57
